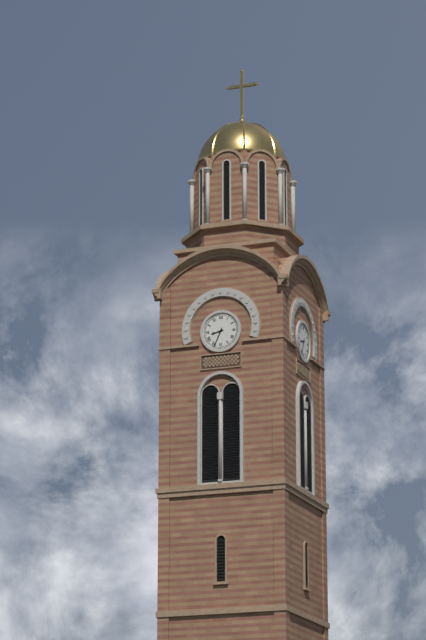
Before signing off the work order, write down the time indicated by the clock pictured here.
8:34
